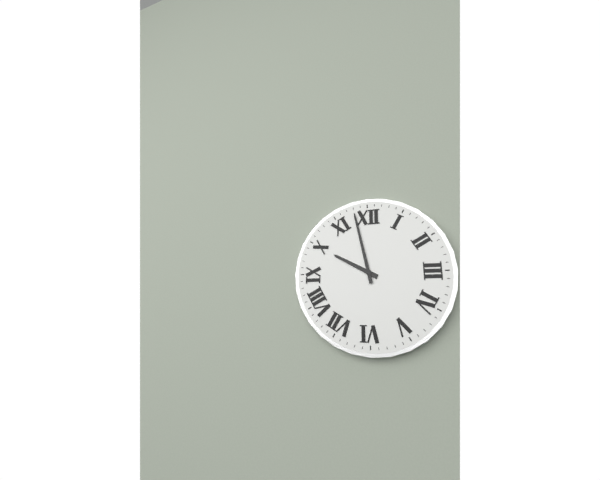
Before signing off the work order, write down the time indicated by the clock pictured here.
9:58
